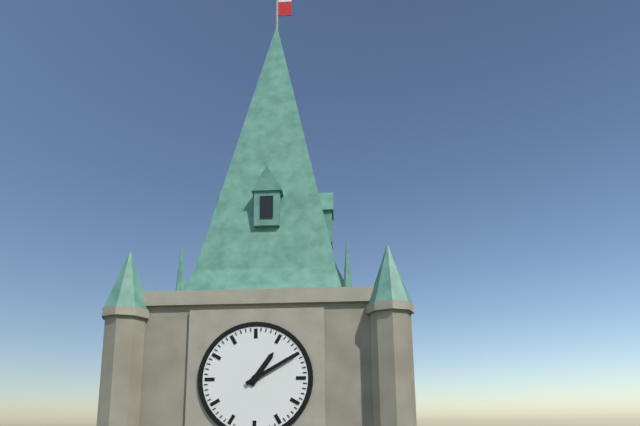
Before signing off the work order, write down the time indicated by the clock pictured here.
1:10
